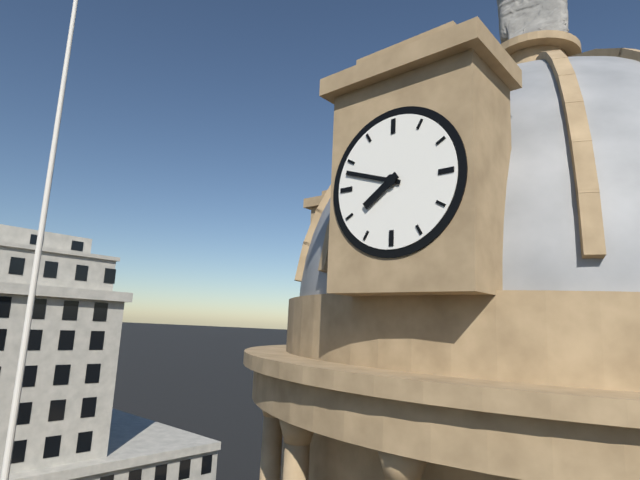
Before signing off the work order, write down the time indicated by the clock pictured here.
7:48
